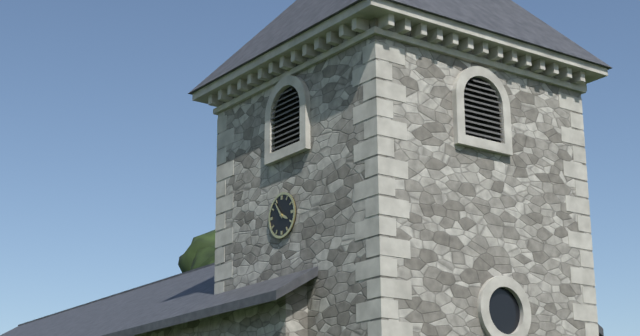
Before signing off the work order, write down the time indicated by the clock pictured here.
3:54
